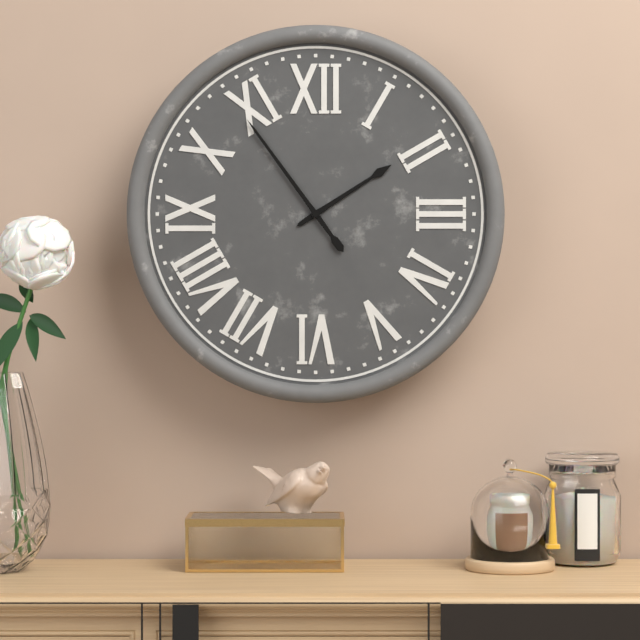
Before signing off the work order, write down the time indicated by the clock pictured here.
1:54
